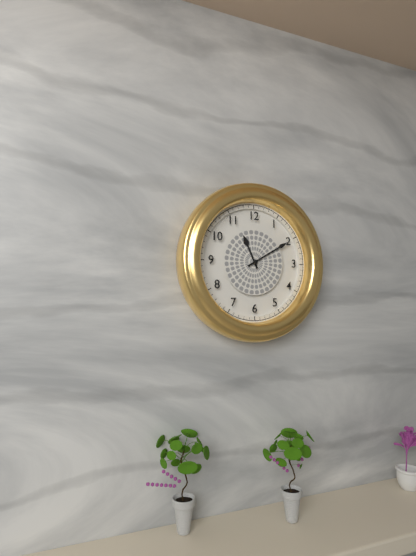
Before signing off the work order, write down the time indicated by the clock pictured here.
11:10
